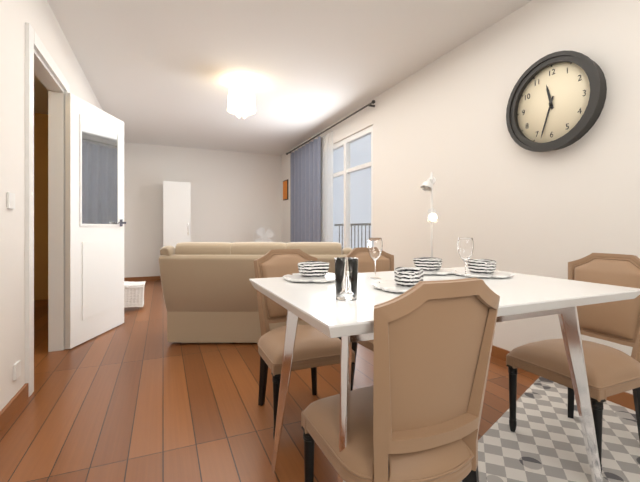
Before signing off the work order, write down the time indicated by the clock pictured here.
11:33
